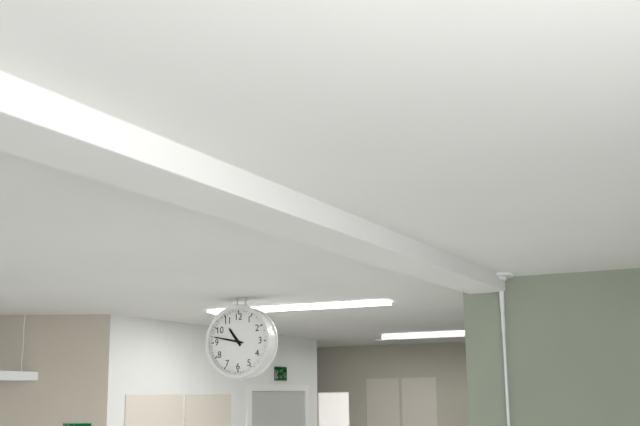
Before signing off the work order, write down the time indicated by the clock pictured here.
10:47
